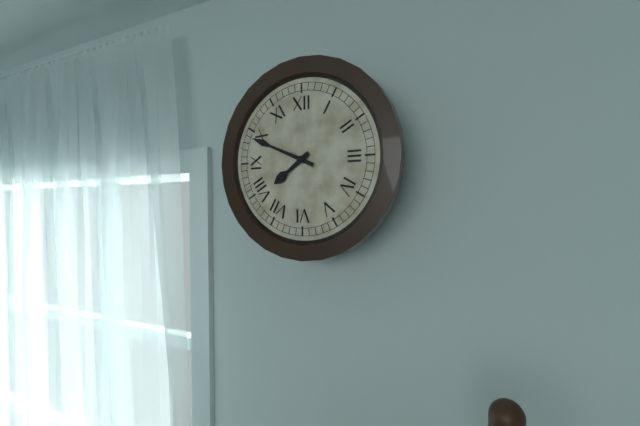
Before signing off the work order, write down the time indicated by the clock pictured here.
7:49
